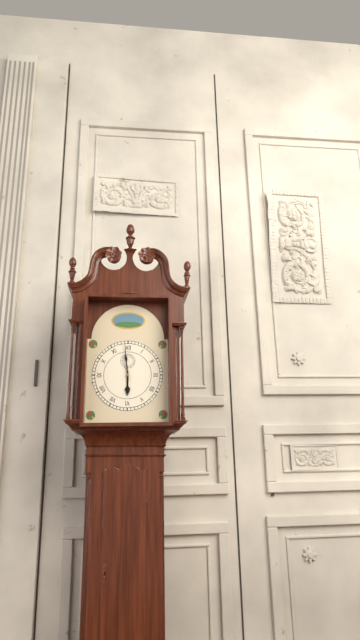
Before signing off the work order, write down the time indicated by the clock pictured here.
5:59
